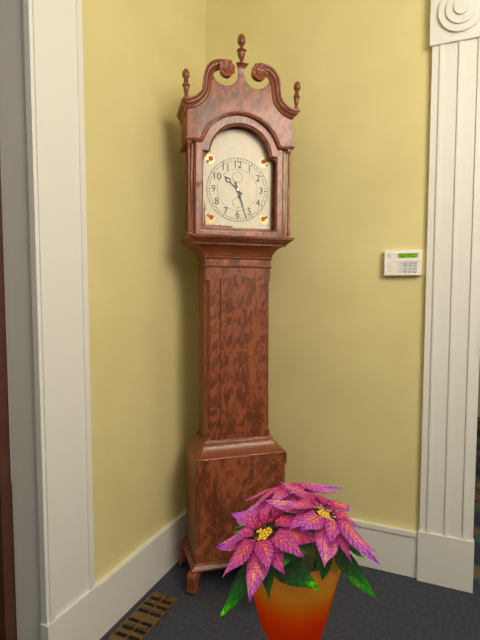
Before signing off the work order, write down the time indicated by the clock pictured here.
10:27
